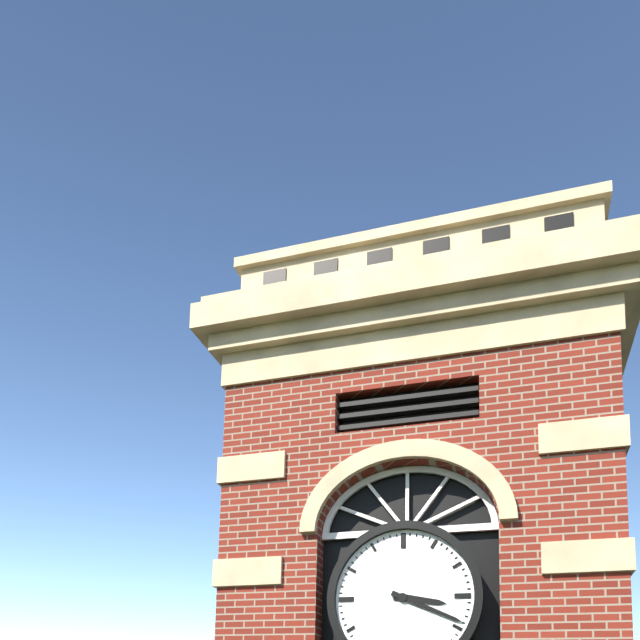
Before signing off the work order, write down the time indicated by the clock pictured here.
3:19
